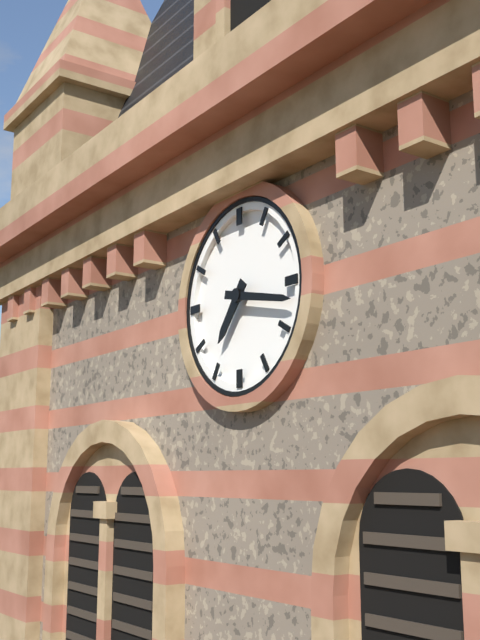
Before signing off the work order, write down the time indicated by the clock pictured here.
7:17
